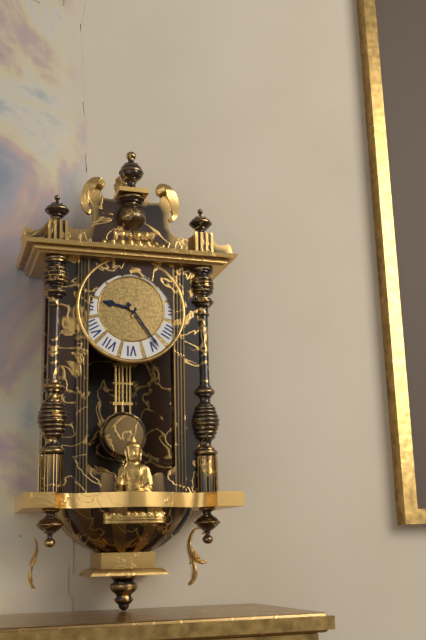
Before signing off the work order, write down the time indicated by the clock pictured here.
9:24
